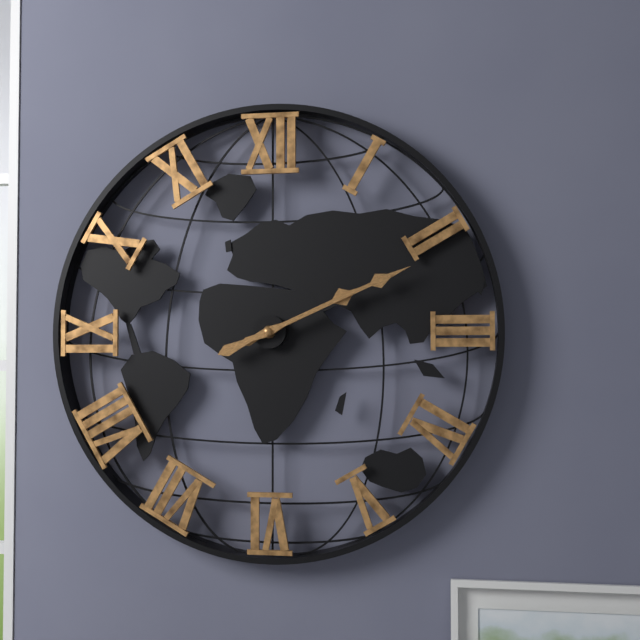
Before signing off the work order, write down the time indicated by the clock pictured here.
2:11
